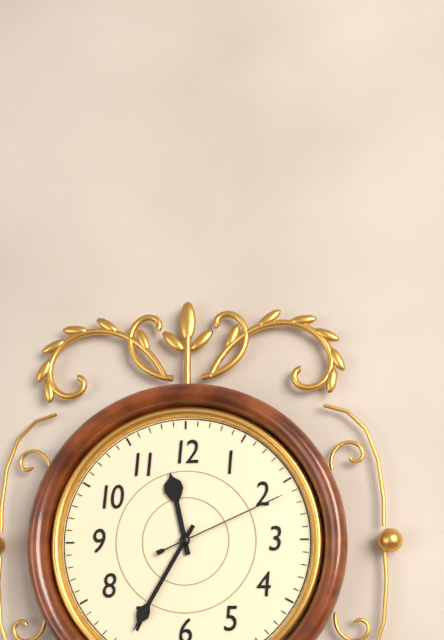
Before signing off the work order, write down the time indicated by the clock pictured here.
11:35:11
